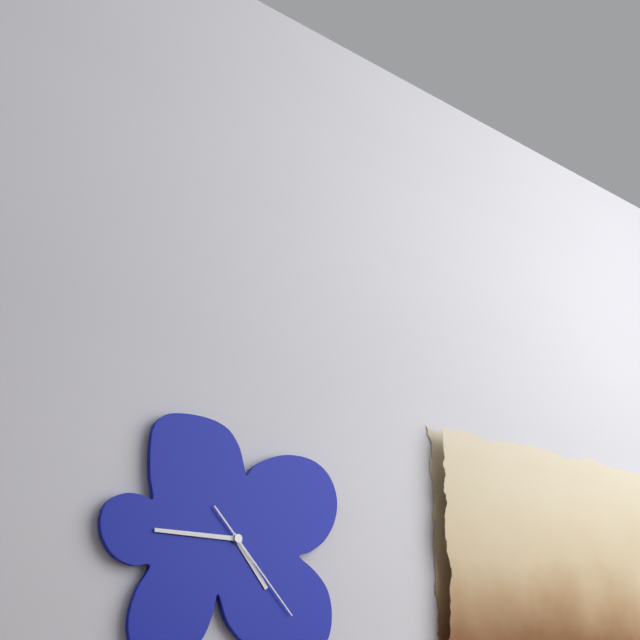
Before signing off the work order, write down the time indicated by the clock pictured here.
4:45:23
